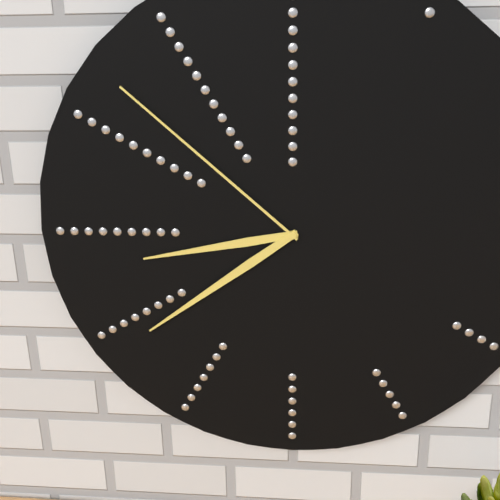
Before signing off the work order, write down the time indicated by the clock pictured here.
8:39:52
